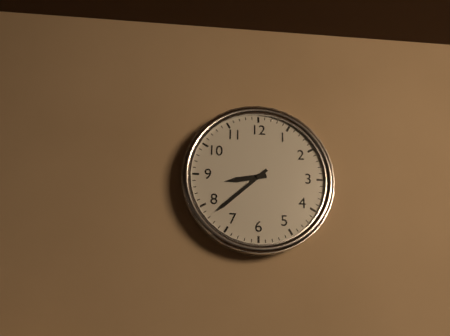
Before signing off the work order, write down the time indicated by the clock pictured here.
8:38
